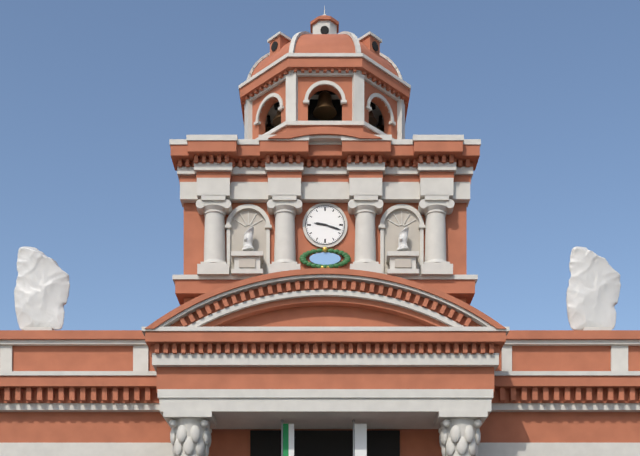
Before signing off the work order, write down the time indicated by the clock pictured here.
9:18
